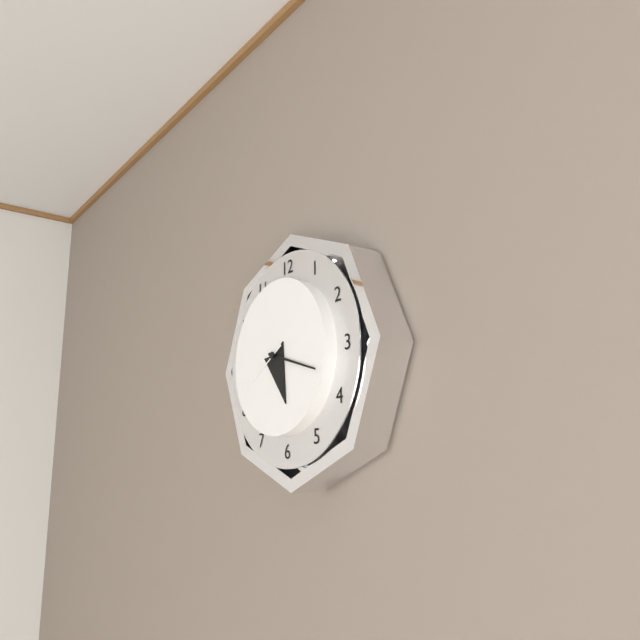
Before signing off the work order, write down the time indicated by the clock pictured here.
5:18:40
